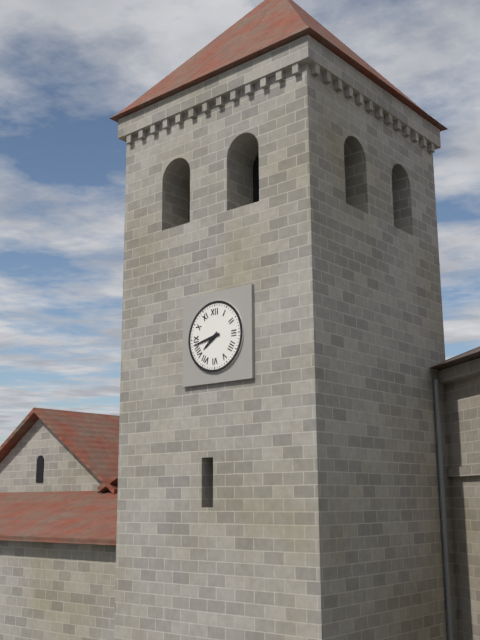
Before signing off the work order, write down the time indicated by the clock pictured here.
7:43
